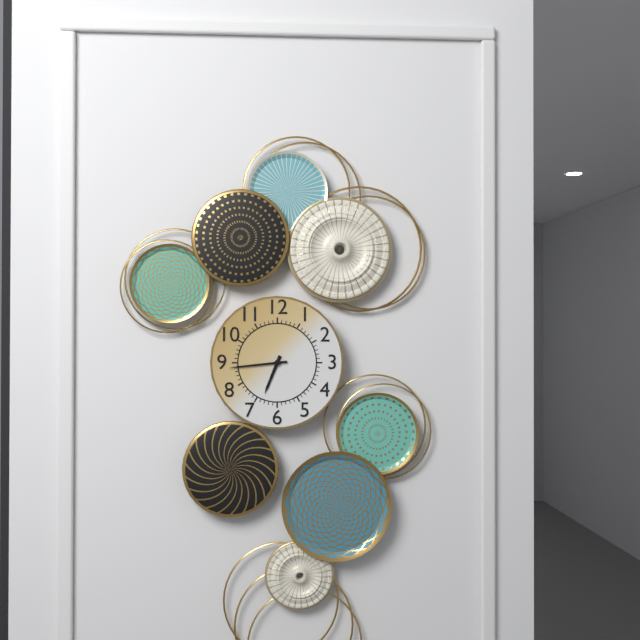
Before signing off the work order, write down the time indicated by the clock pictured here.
6:44
